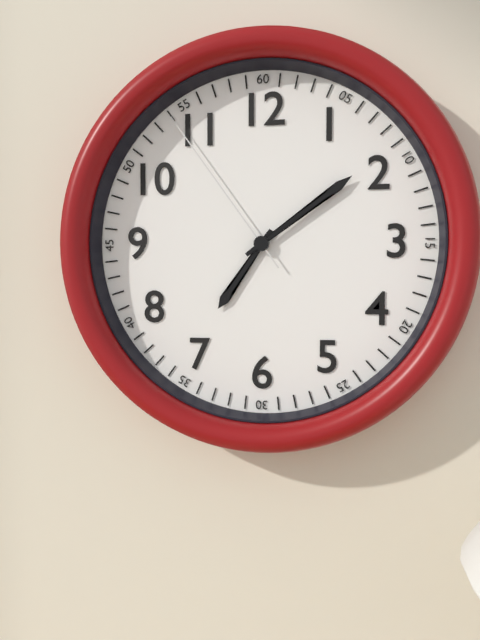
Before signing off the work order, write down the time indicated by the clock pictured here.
7:09:54
